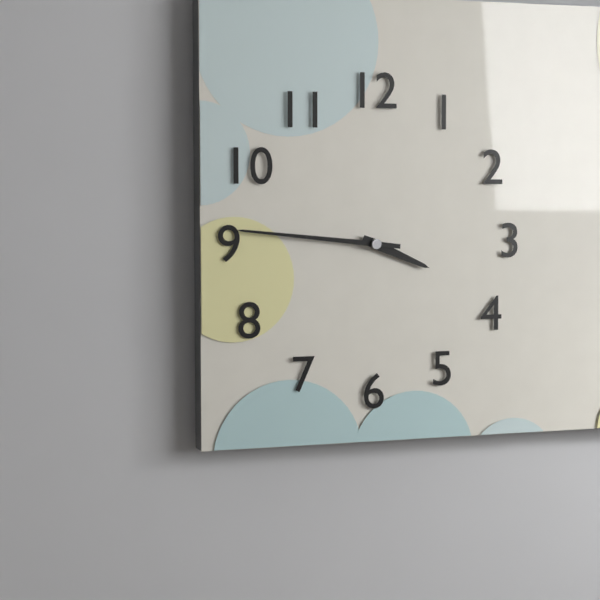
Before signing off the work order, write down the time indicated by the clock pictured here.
3:46
